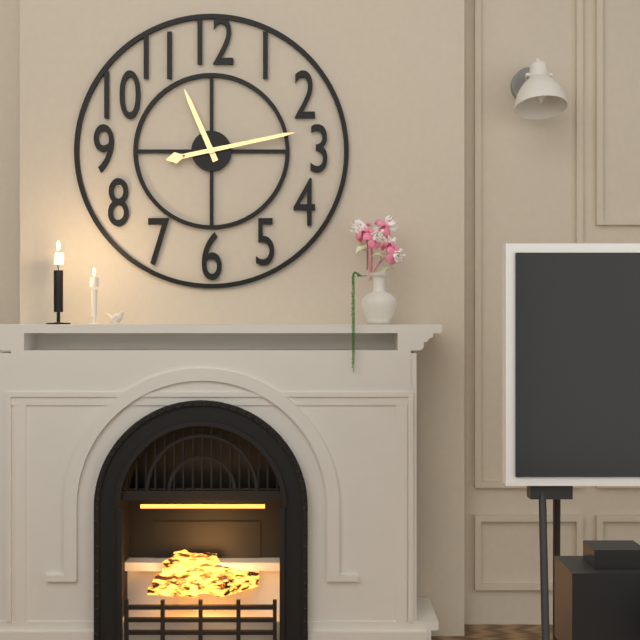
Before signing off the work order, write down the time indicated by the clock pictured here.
11:13
